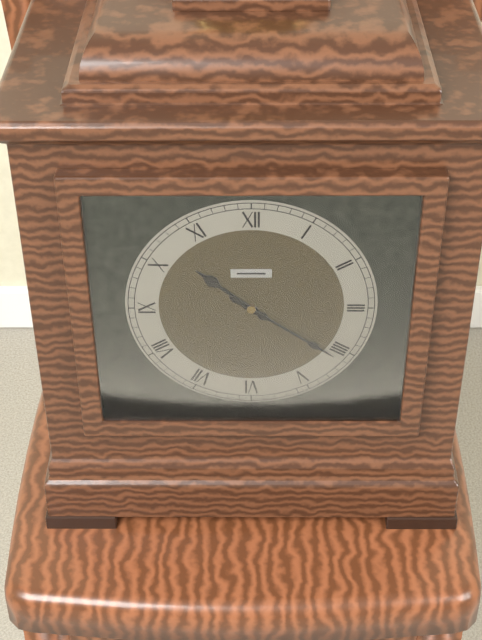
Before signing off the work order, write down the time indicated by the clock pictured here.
10:21
